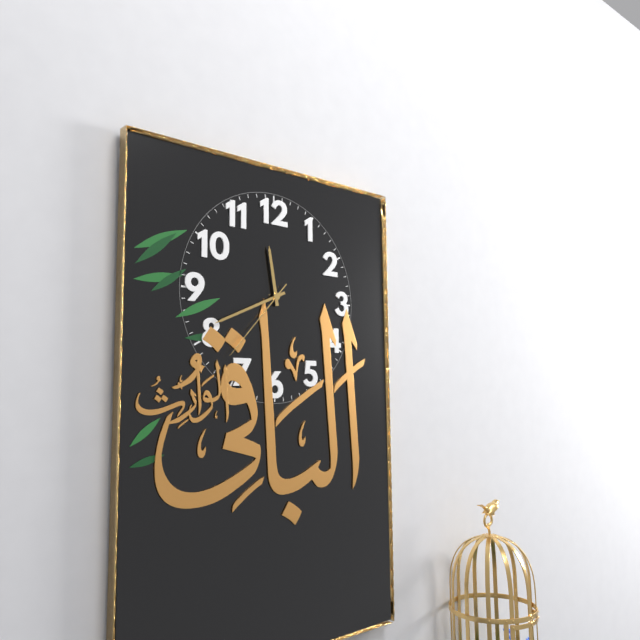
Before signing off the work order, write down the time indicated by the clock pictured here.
11:41:37
